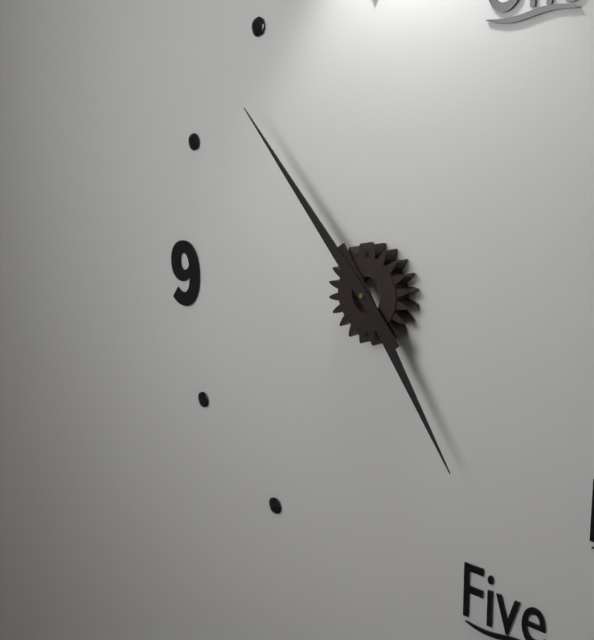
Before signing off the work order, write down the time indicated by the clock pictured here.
4:53
